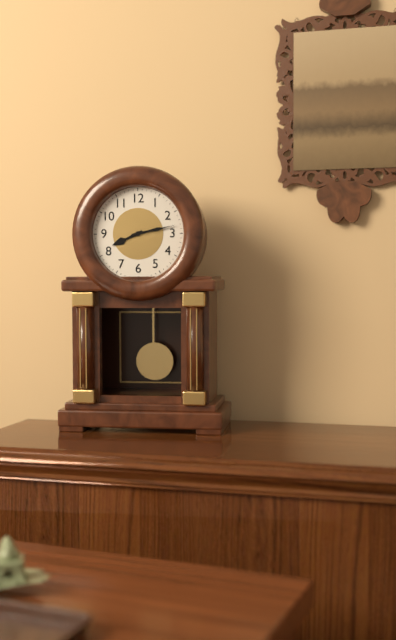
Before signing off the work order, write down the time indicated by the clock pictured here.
8:13
